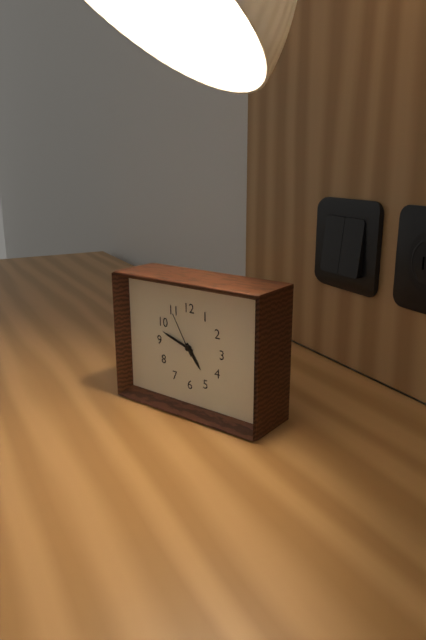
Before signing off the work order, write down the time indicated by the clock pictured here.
4:48:55
